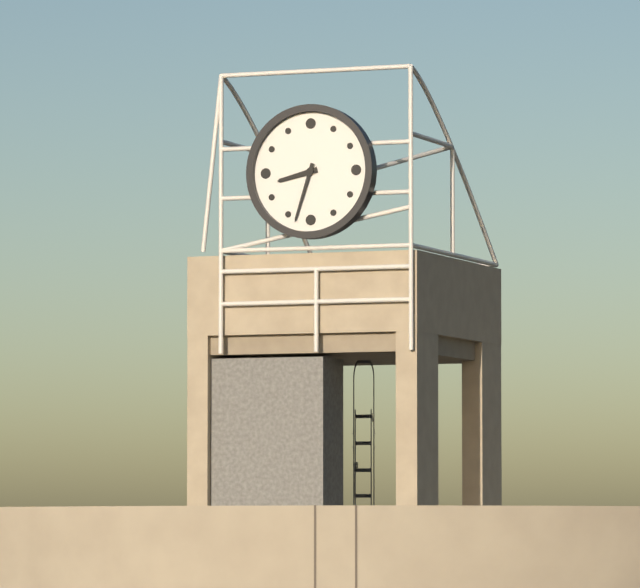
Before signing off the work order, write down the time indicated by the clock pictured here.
8:33
